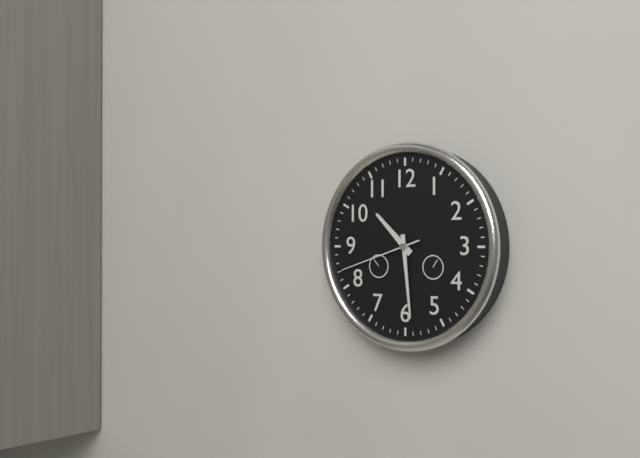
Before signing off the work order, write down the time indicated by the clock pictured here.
10:29:42
